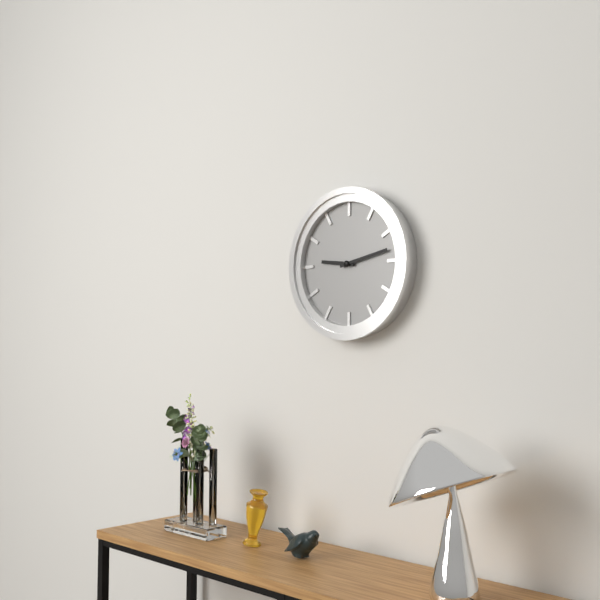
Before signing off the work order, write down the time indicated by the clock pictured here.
9:13
